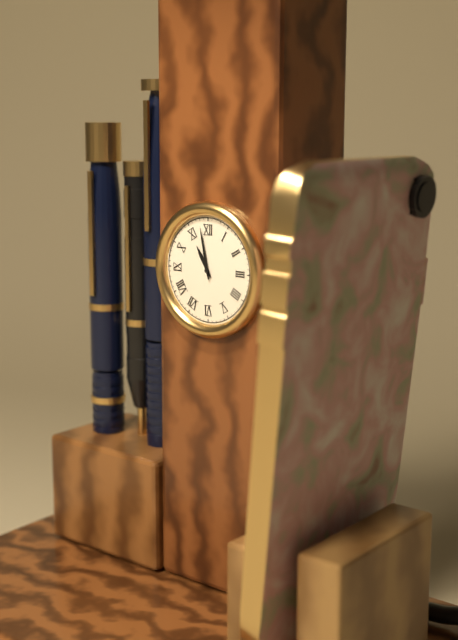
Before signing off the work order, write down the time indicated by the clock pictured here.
10:58
